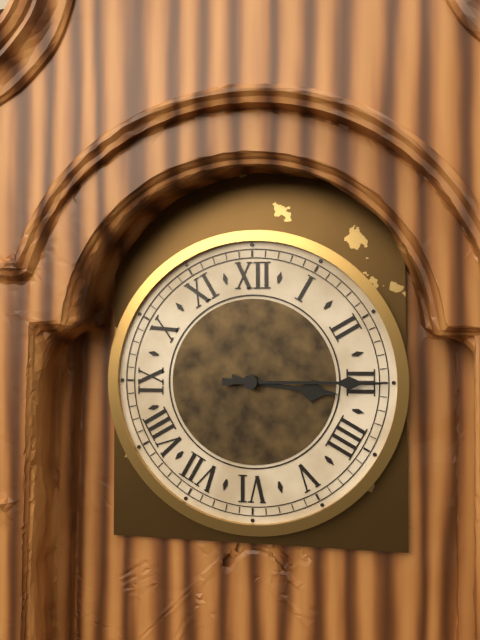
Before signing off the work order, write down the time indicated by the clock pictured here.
3:15
